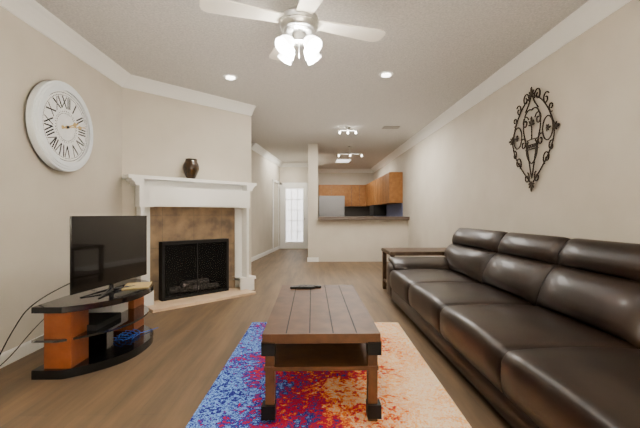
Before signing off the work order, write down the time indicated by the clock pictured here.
2:13
